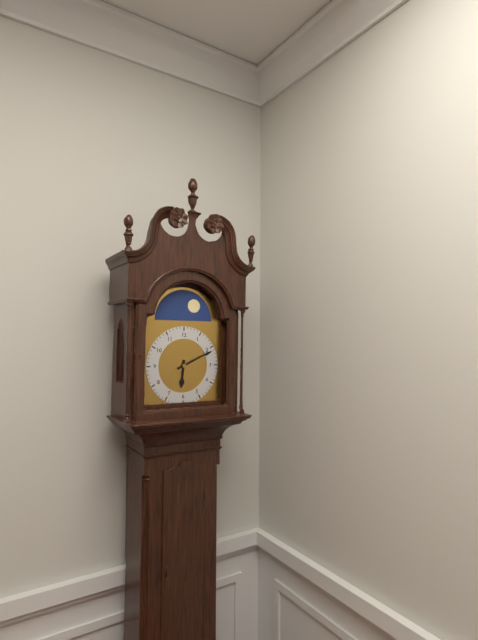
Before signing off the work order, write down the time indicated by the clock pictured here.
6:11
